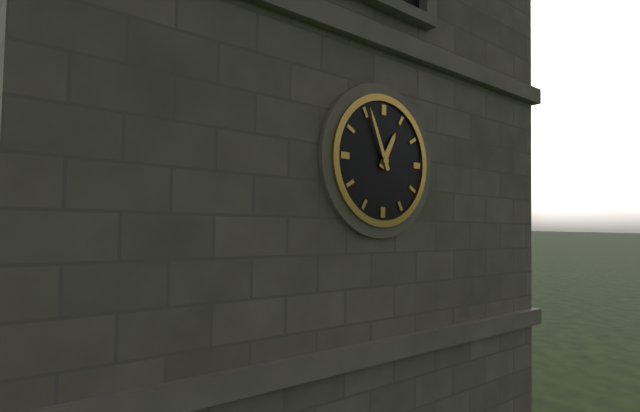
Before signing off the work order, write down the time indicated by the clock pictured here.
12:56
